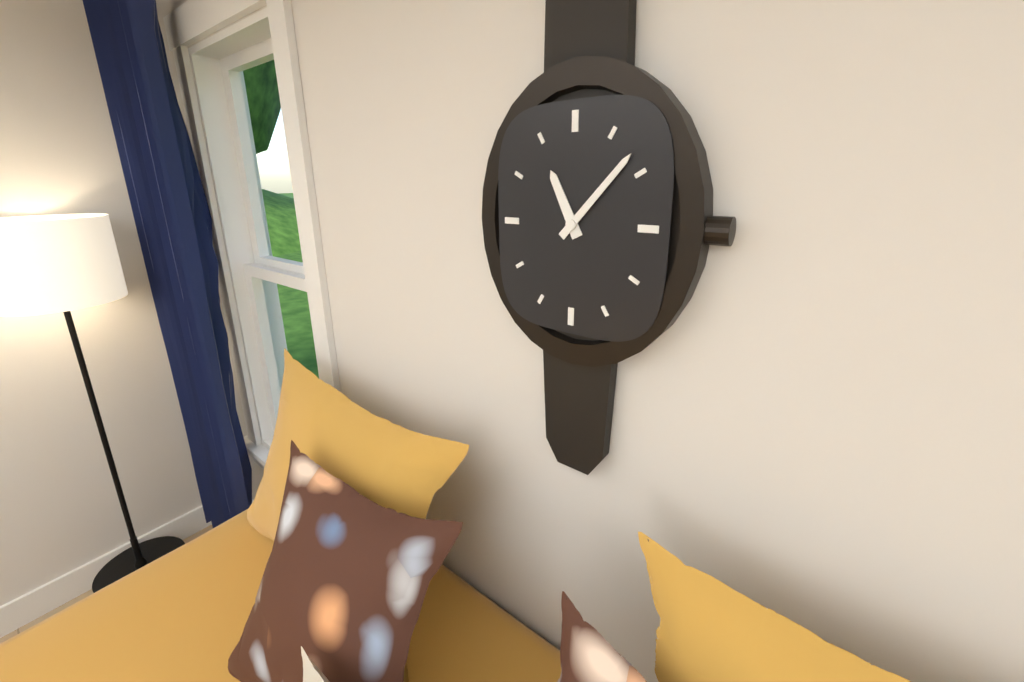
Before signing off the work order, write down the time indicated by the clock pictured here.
11:07
